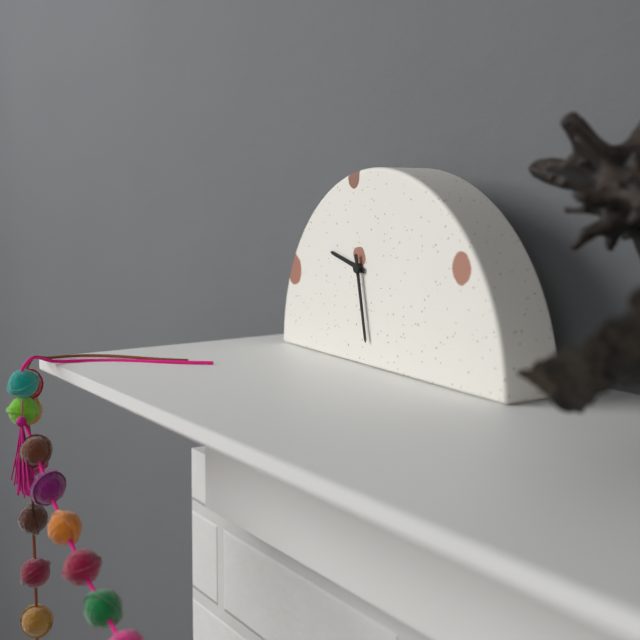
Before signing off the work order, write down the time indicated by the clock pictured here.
9:28
